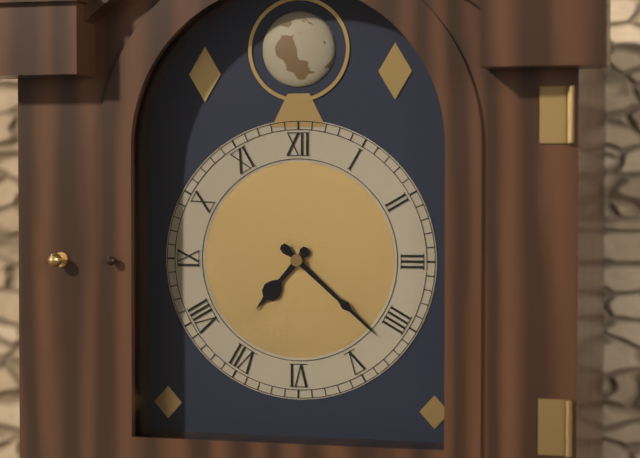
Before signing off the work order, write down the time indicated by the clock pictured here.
7:22
